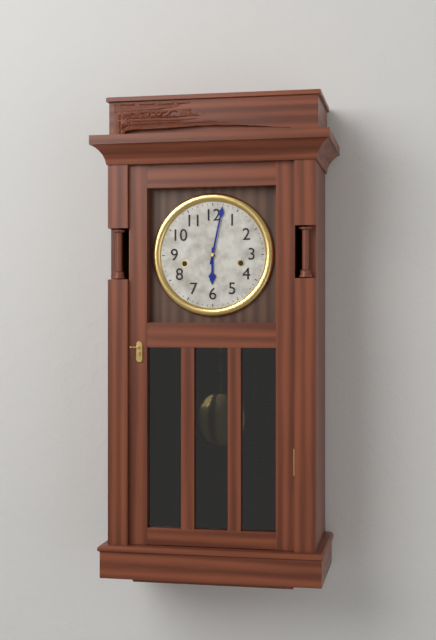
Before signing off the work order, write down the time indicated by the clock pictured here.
6:02
